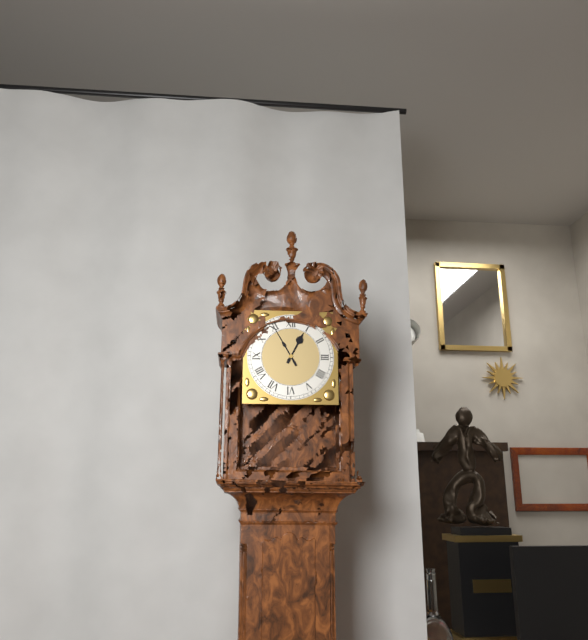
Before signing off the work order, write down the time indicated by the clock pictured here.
12:55
